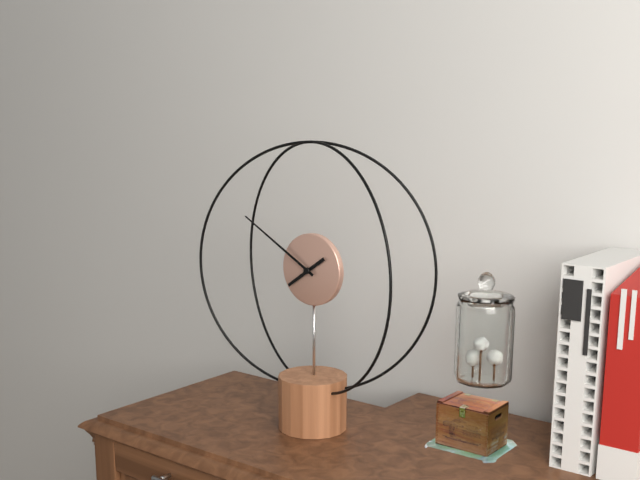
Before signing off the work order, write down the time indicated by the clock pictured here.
7:50
